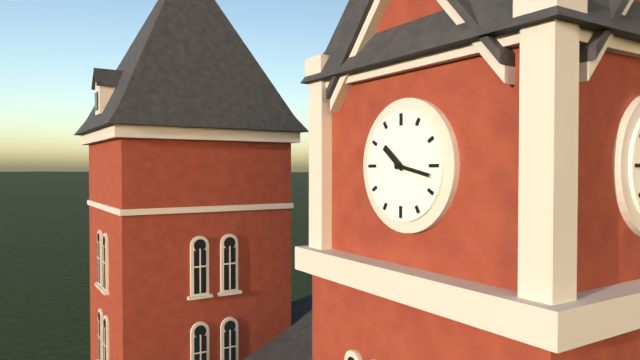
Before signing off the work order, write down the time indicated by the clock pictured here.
10:17
